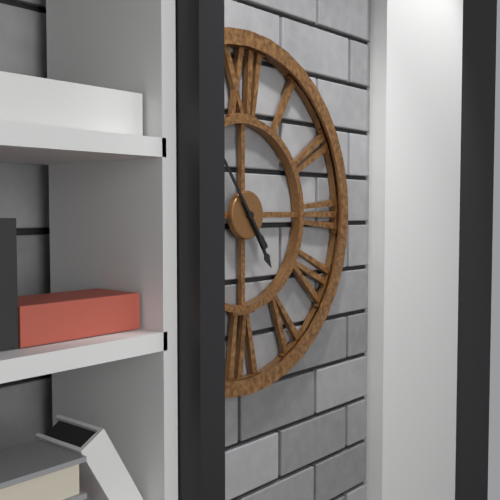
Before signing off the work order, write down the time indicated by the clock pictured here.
4:54
